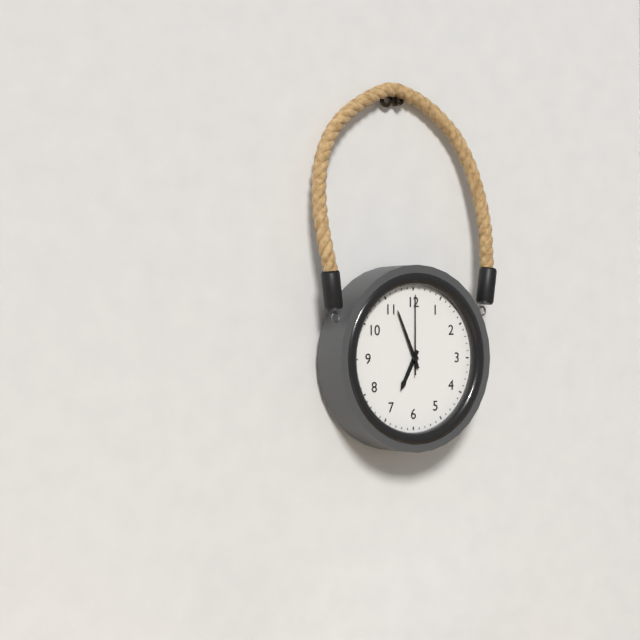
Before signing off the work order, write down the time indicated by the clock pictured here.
6:56:00
